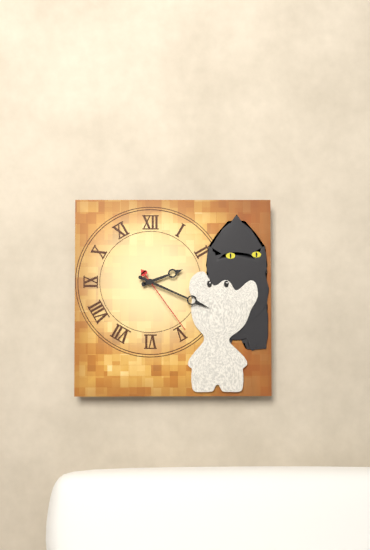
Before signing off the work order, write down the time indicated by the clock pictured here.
2:19:24
